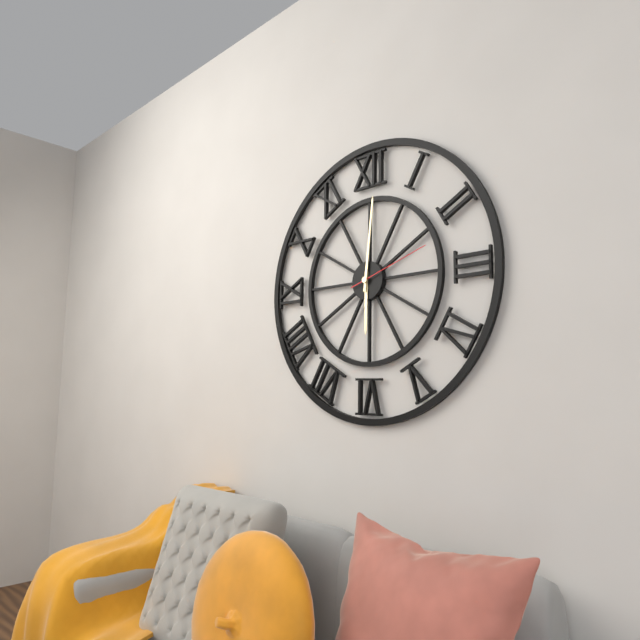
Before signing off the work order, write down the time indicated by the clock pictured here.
6:01:12
